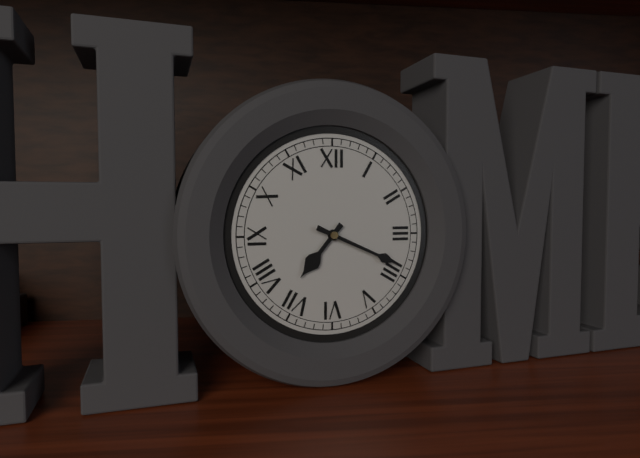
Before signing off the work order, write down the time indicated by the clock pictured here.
7:19
